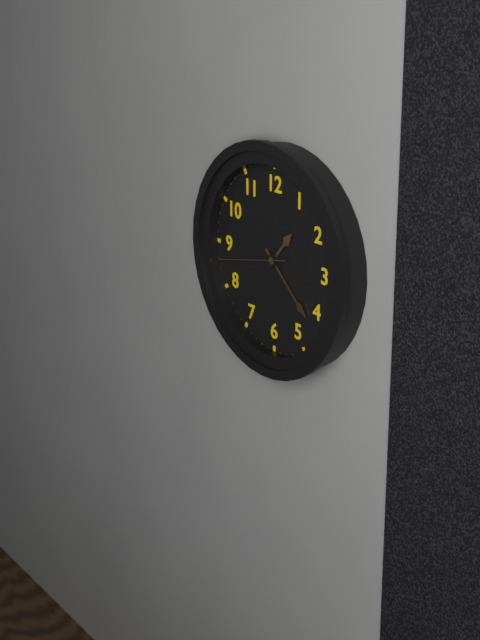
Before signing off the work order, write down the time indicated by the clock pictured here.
1:22:43
